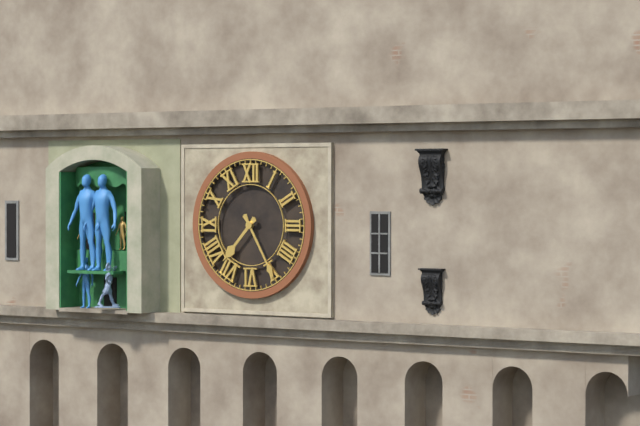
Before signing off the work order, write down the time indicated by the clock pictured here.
7:25
